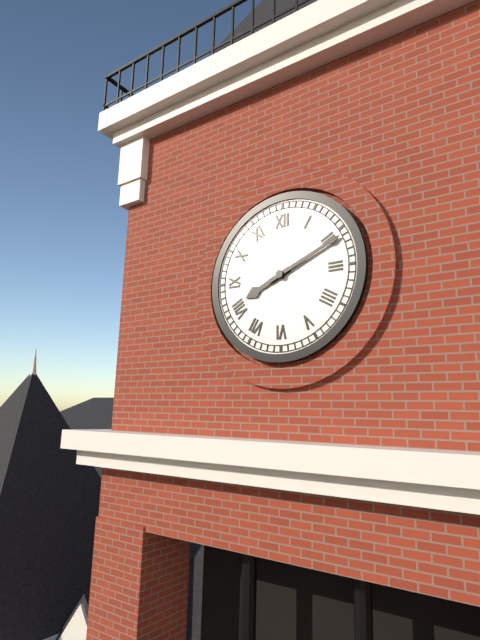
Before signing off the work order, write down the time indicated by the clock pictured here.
8:11
